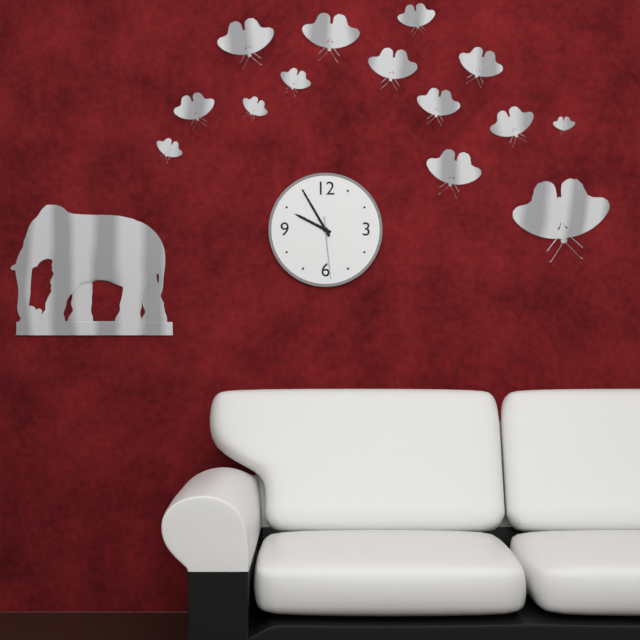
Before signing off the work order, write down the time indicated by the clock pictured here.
9:55:29
